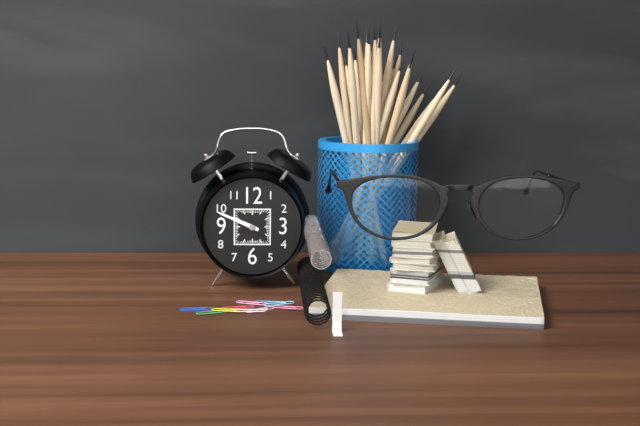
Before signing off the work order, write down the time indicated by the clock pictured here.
9:49
